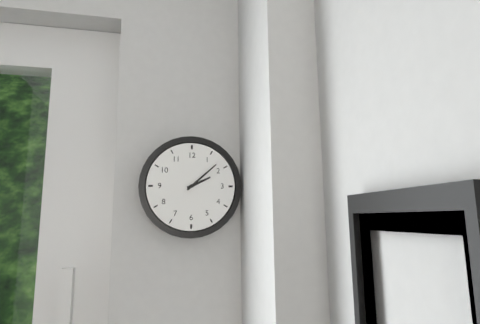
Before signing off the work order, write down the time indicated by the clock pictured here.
2:08
